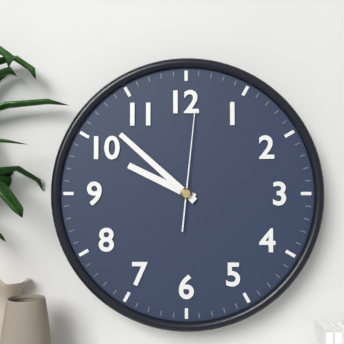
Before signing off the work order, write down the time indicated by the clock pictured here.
9:52:01
